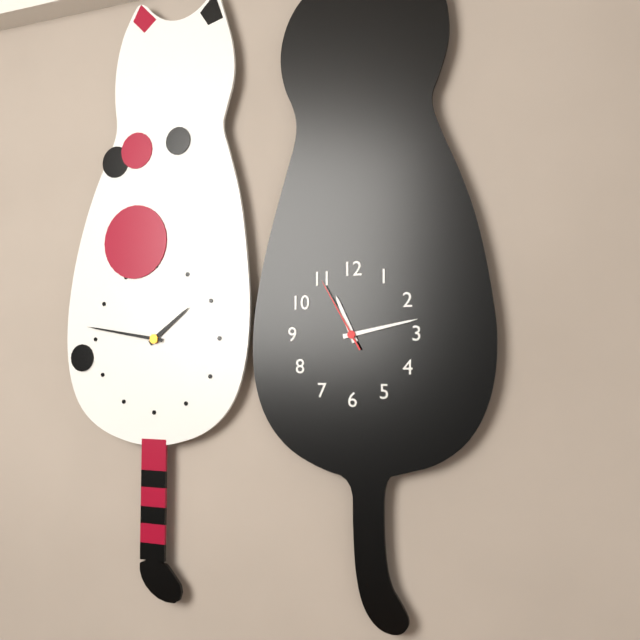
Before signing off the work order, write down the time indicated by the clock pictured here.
11:13:55
